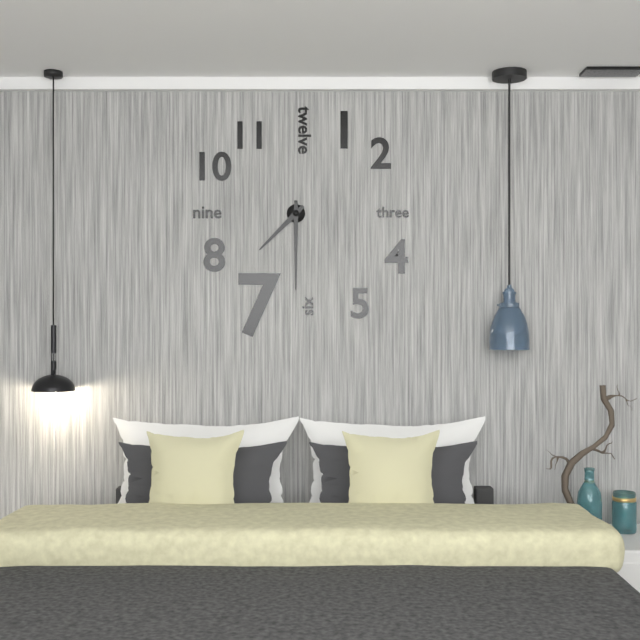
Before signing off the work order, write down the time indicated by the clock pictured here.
7:30
